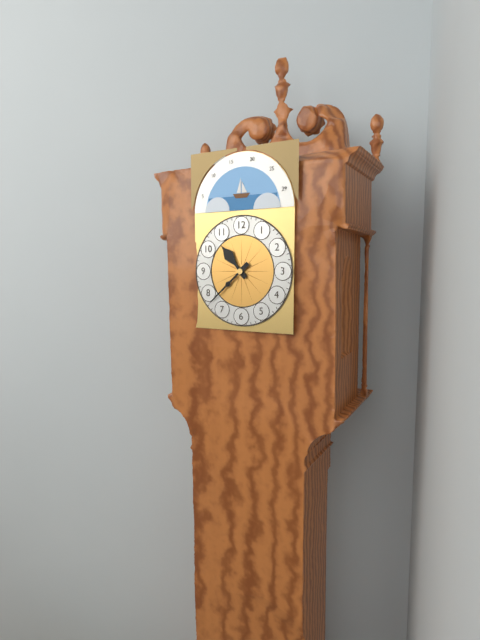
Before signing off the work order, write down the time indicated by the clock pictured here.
10:38
